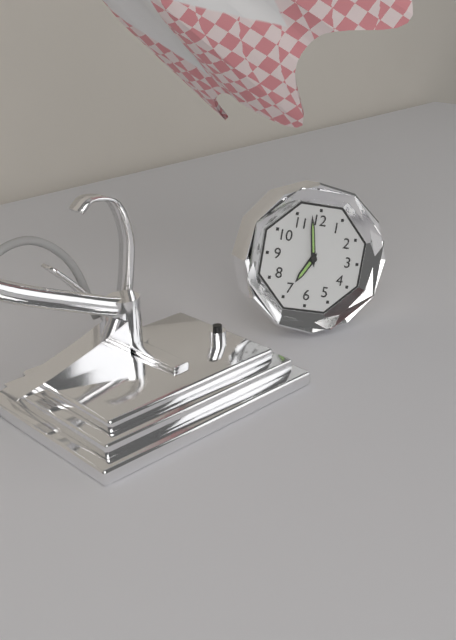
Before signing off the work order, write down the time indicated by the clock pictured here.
6:58
